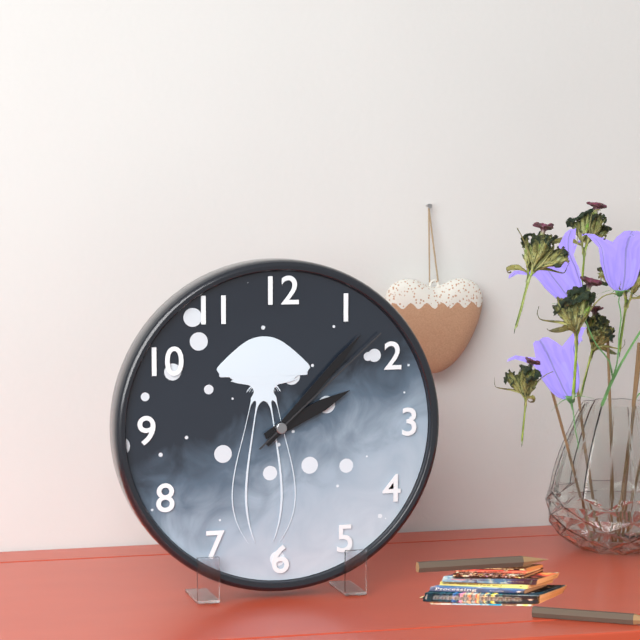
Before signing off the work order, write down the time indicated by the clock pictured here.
2:07:08
